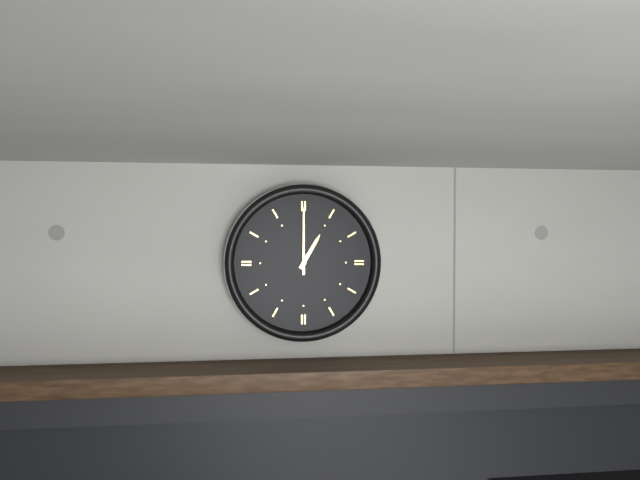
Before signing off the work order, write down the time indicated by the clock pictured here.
1:00
